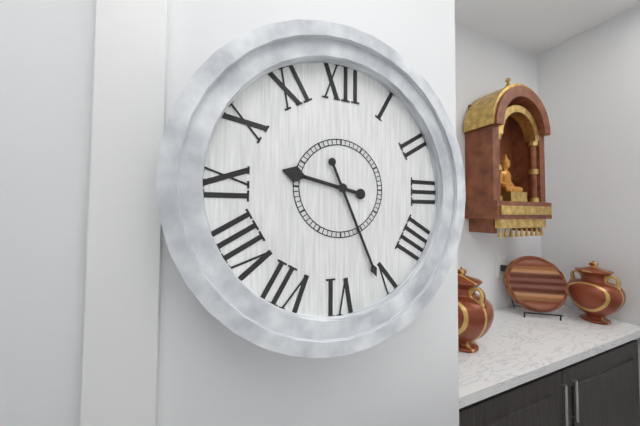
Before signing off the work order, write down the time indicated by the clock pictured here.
9:26
